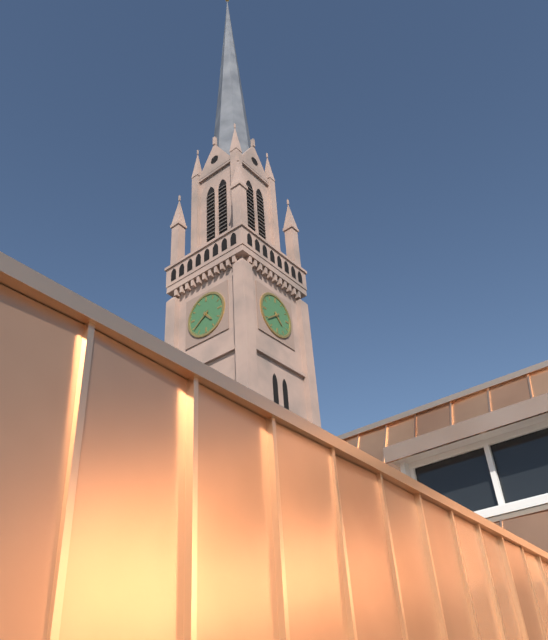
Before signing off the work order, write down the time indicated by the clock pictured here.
4:39
